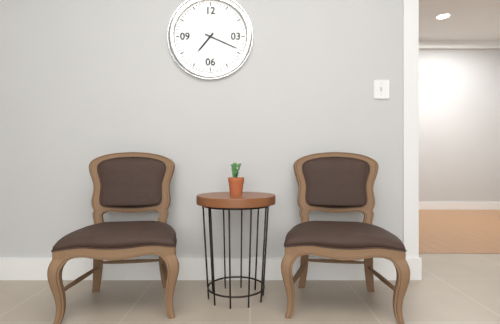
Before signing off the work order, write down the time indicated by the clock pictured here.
7:19
